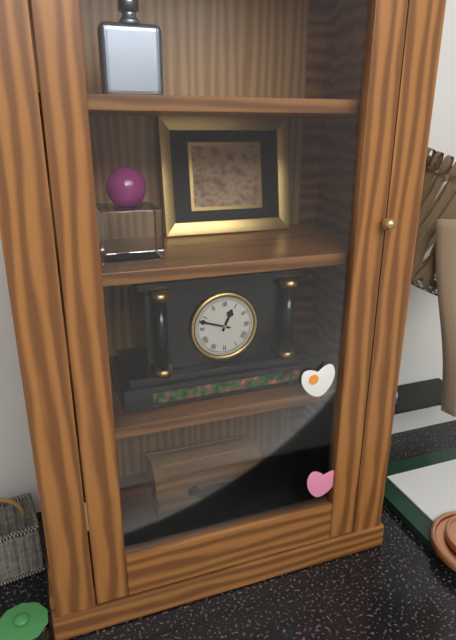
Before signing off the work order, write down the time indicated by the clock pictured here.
12:48
